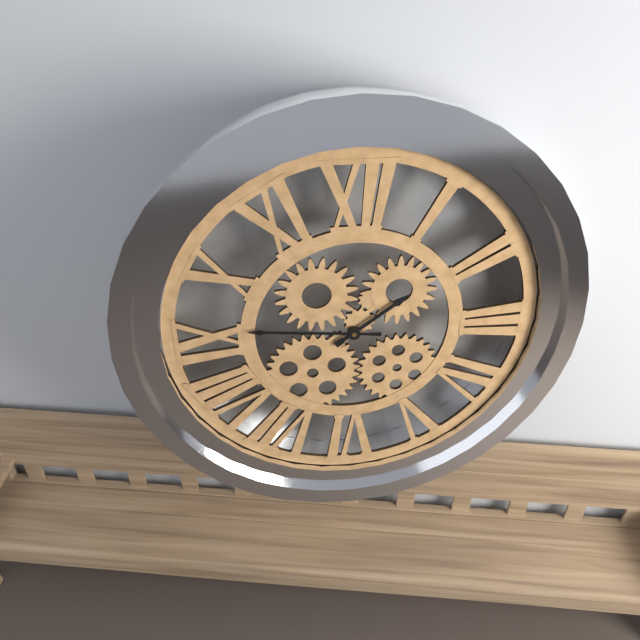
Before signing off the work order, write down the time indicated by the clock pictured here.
1:46
